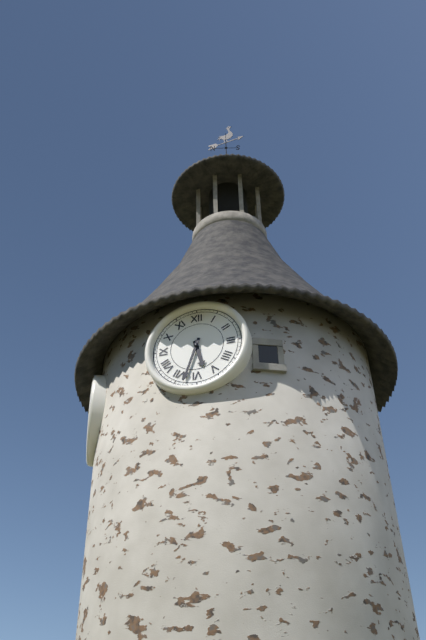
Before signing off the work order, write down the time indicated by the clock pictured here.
5:33
